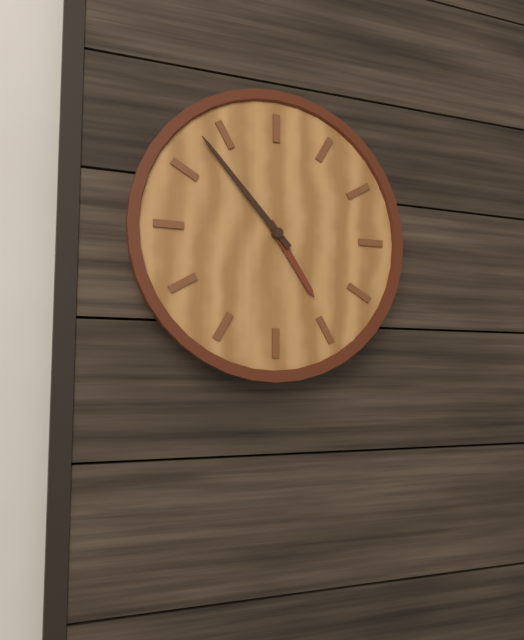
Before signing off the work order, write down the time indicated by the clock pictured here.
4:53
